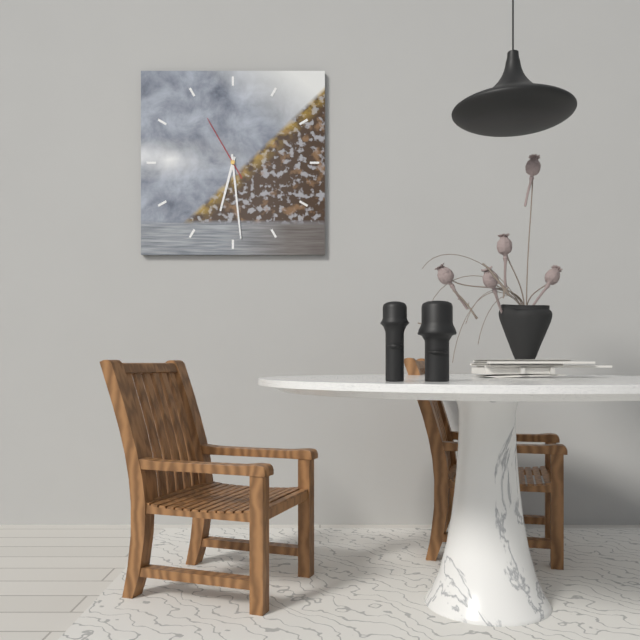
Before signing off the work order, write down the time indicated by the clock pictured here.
6:29:55
